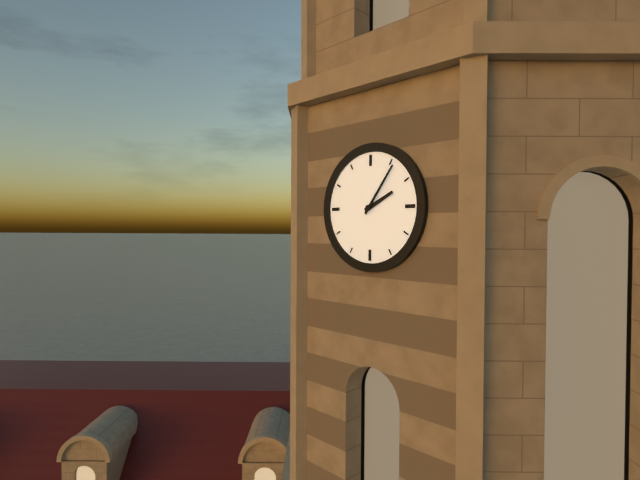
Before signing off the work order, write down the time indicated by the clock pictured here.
2:06
